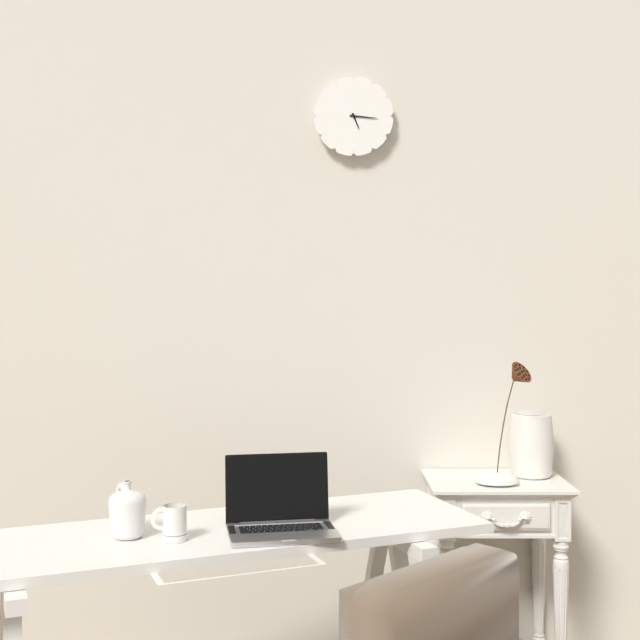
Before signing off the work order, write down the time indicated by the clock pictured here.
5:16
